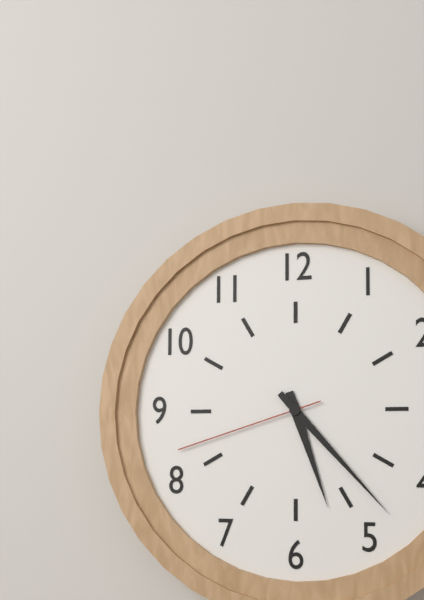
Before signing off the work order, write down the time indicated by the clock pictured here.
5:23:42
